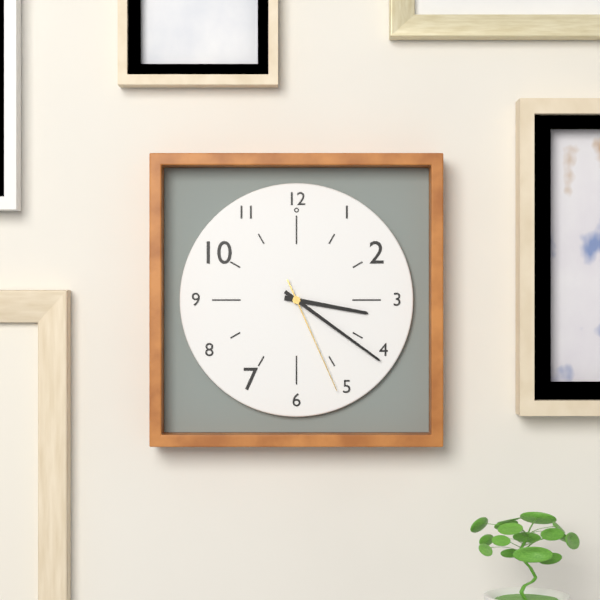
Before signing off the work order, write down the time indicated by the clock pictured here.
3:21:26
